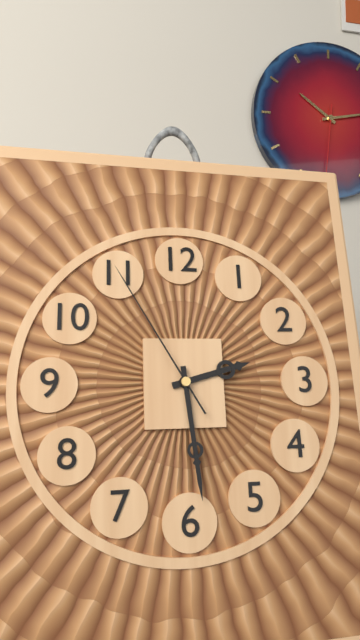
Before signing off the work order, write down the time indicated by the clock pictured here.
2:29:55
